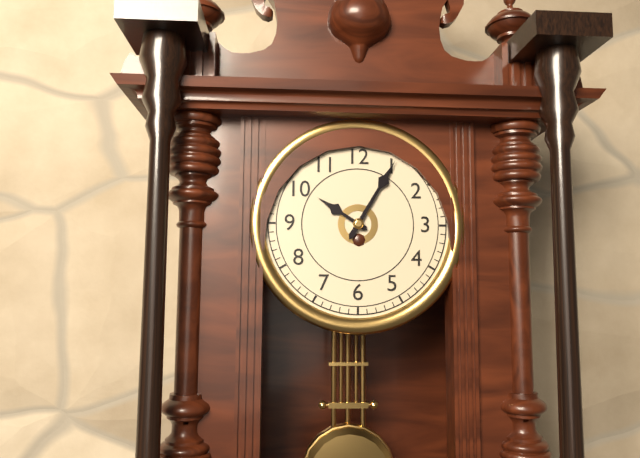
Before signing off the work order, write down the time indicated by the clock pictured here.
10:05
